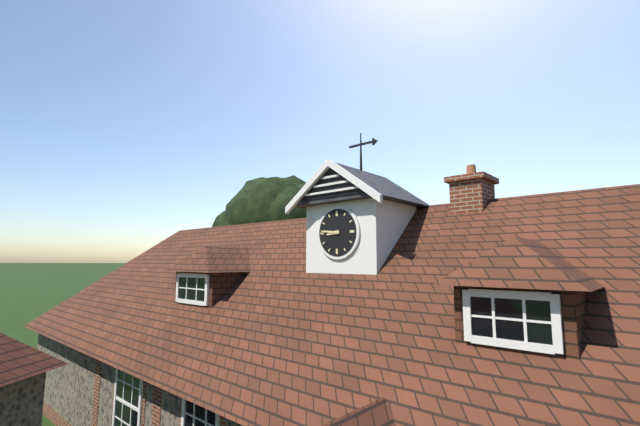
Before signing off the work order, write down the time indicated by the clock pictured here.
8:46
